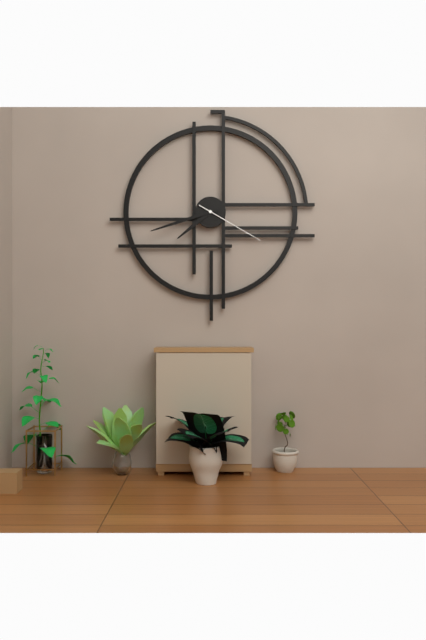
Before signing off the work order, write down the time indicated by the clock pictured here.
7:42:20
